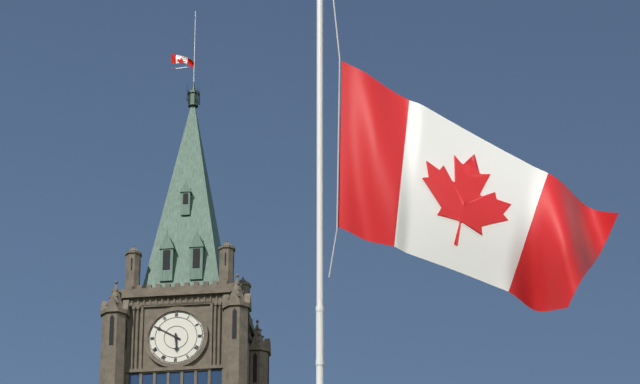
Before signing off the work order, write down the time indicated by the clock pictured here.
5:50
